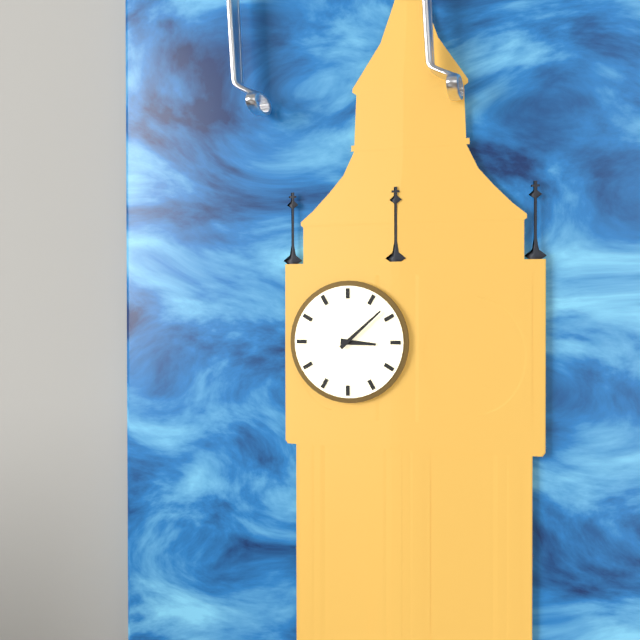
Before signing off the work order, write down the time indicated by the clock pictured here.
3:08
